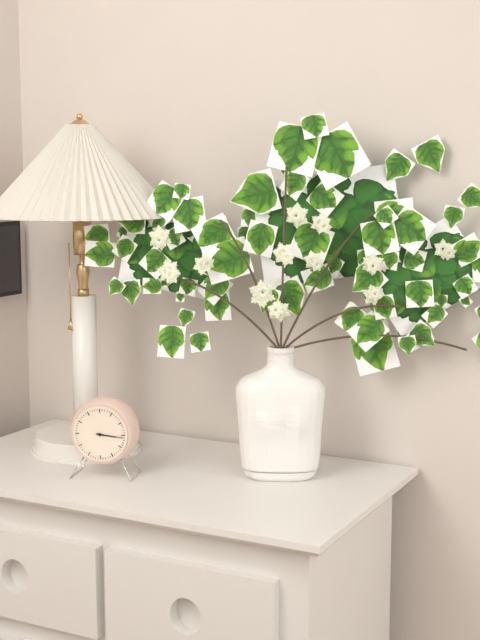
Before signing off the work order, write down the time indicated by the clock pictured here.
3:16
